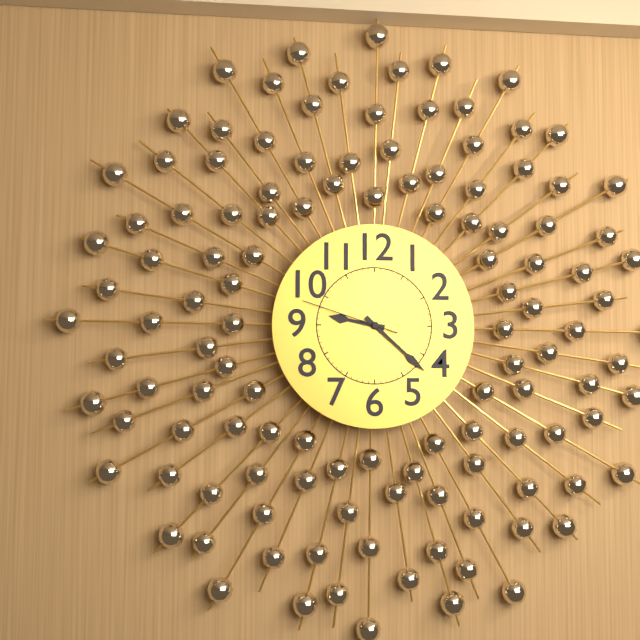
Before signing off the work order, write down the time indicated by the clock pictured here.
9:22:48
